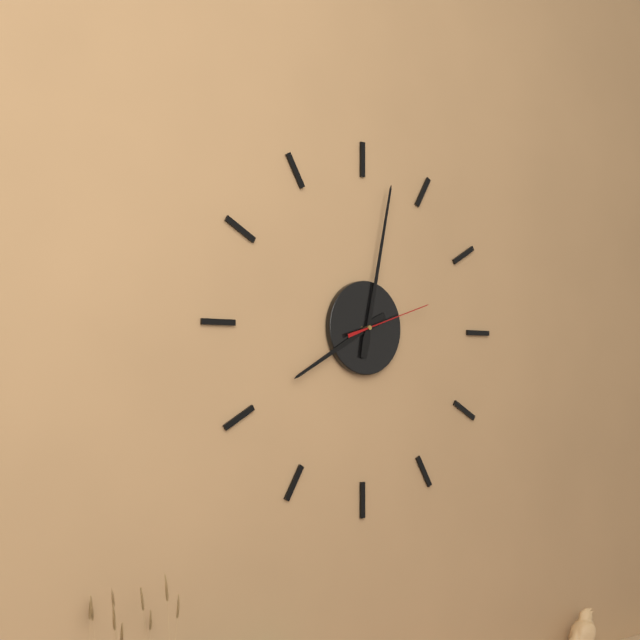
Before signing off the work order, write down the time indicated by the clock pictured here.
8:02:12
